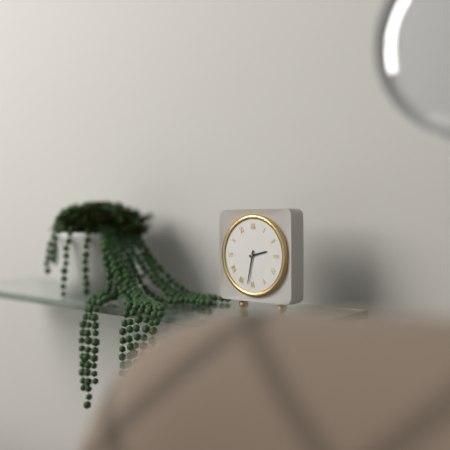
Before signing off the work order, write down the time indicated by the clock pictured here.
2:32
